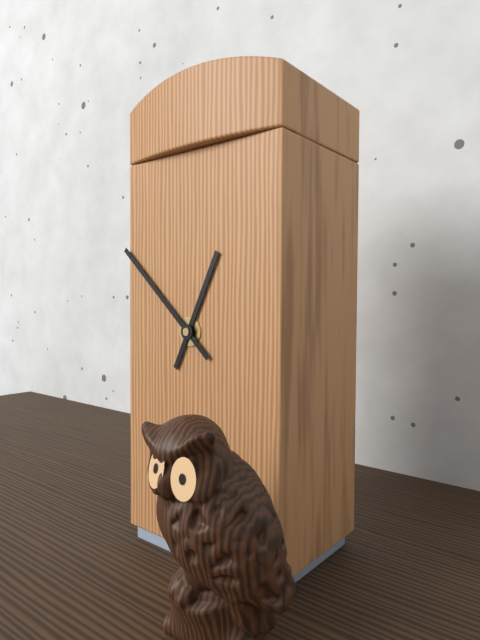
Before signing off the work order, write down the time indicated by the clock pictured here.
12:52
